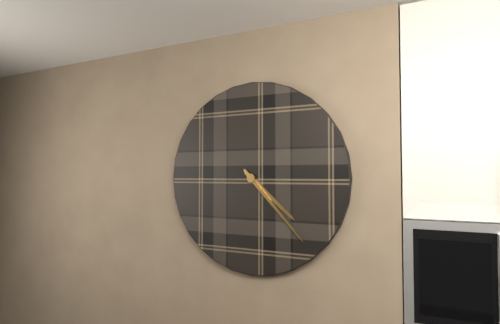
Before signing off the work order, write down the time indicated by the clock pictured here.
4:23
